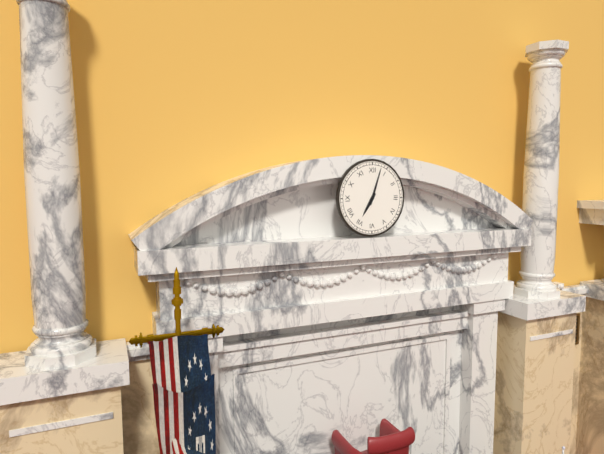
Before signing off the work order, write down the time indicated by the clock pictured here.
7:03
